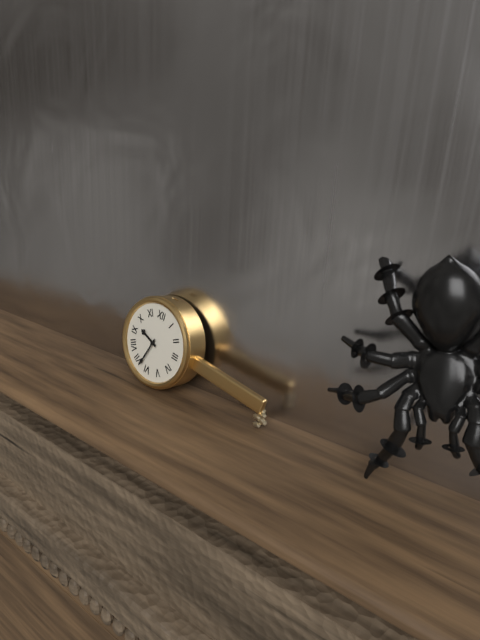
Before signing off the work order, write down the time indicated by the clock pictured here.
9:33
